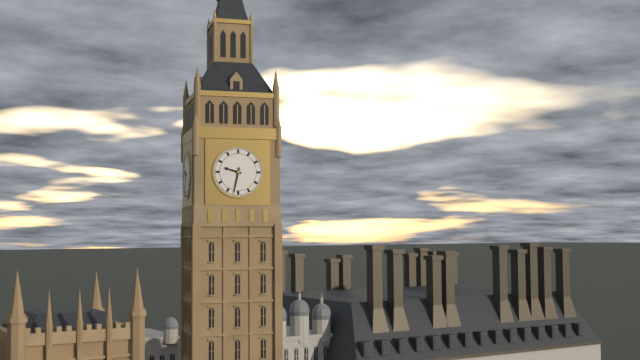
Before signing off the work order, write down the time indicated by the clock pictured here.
9:32
